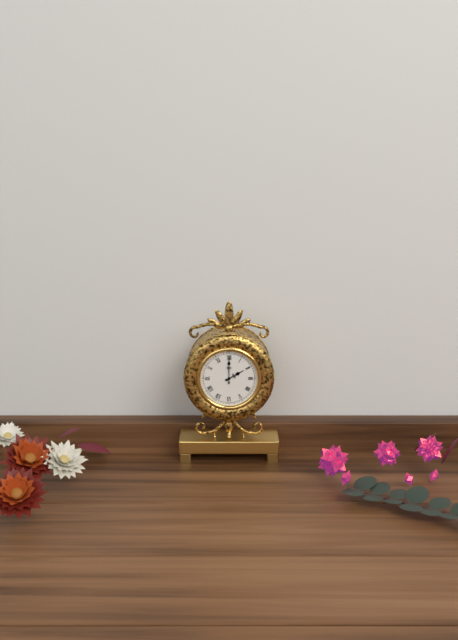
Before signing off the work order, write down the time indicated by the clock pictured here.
2:00
